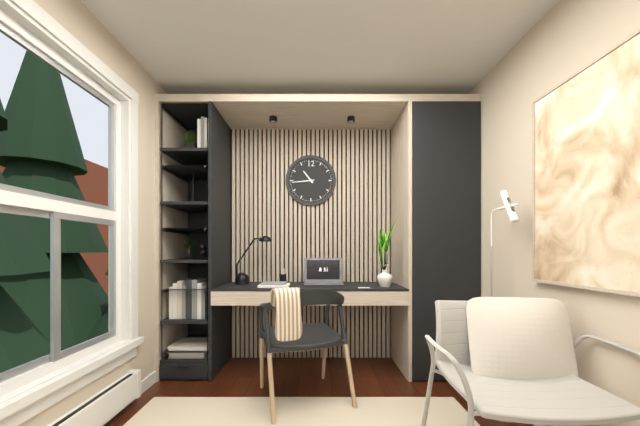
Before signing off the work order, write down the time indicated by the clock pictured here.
10:44
